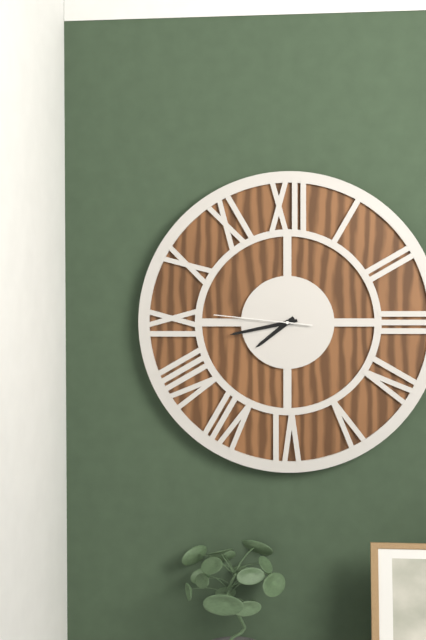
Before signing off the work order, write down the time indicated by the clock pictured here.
7:43:46
